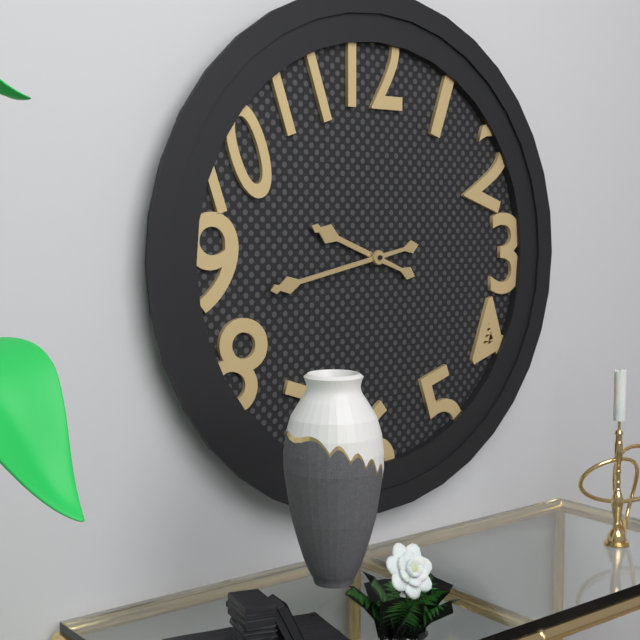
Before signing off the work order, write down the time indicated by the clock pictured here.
9:43
